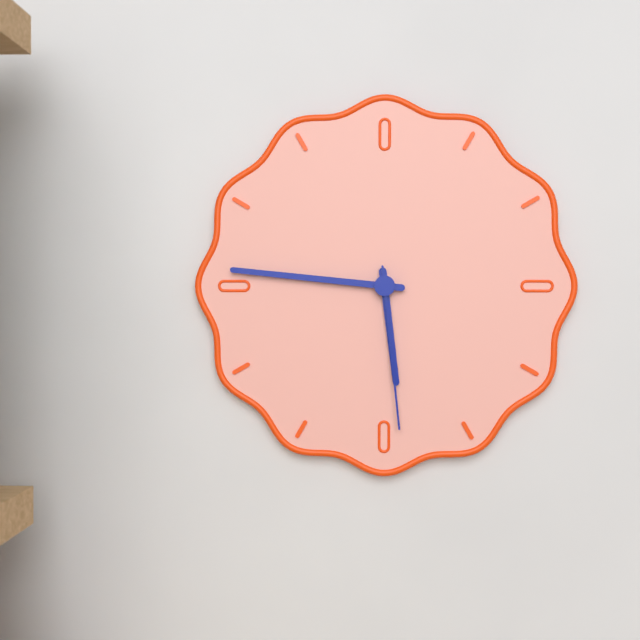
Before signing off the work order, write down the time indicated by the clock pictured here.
5:46:29
